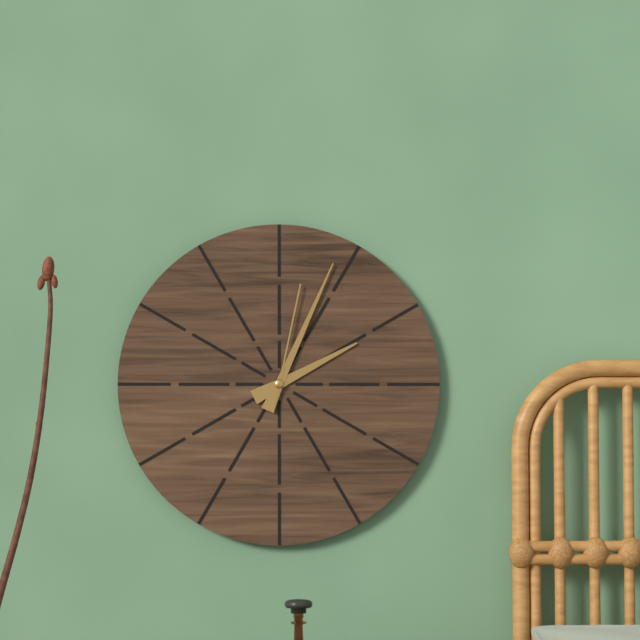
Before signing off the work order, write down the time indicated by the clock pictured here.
2:04:02
